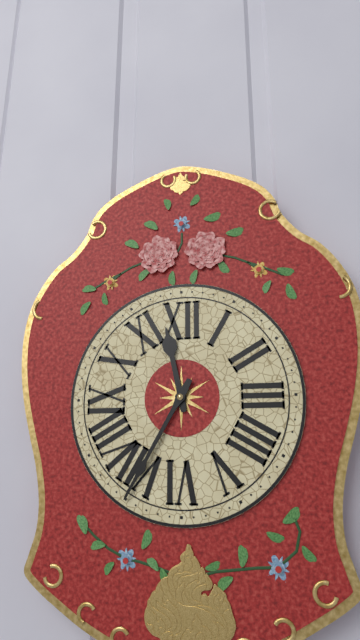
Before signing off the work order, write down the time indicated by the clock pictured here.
11:35
